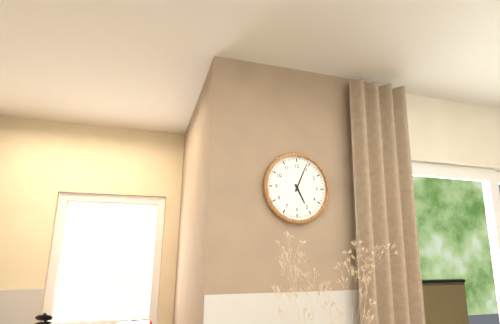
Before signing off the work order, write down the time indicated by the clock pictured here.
5:04
